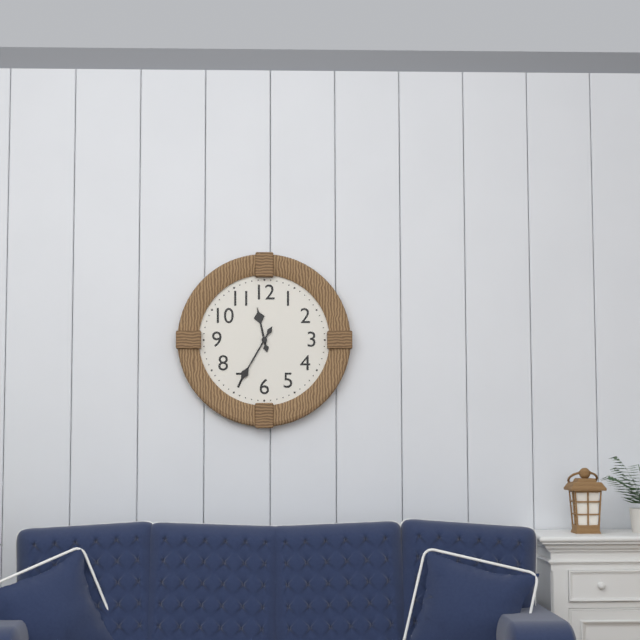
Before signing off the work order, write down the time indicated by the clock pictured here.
11:35
